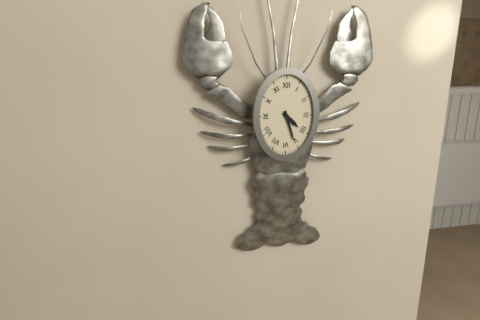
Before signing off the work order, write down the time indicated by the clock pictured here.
4:27
